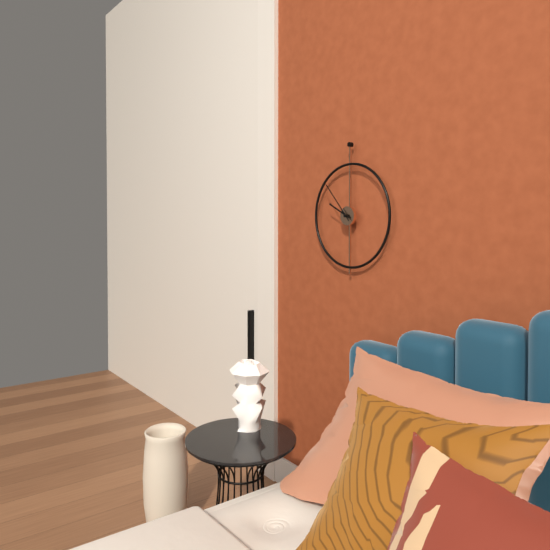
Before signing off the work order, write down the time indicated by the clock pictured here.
9:53
